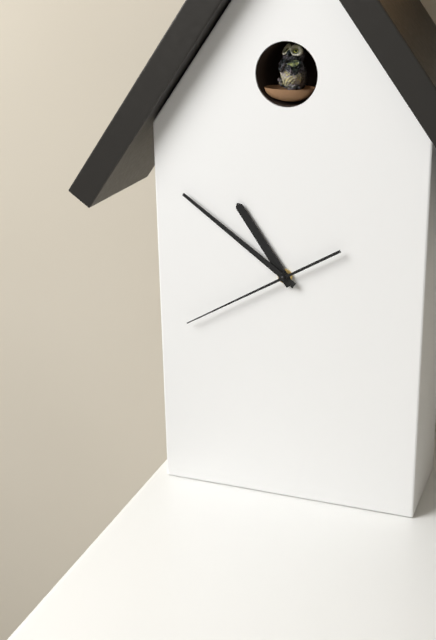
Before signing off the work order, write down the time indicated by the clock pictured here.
10:51:40
